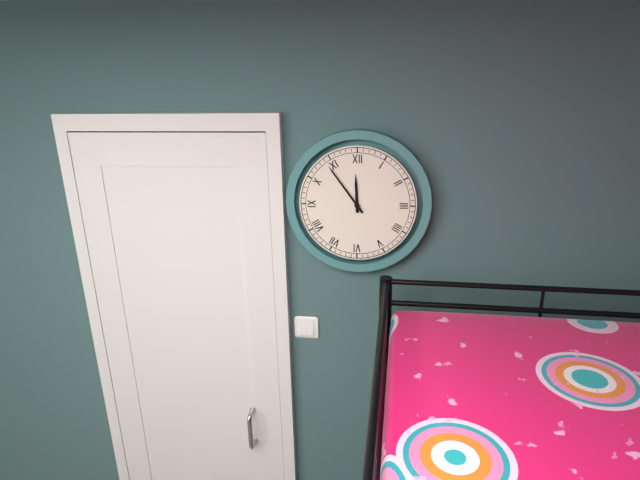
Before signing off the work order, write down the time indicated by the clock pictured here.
11:54
